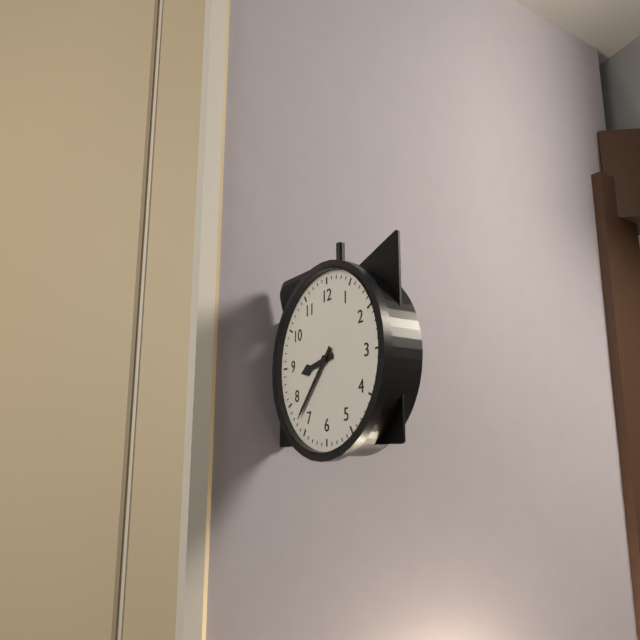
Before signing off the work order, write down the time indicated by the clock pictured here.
8:37
